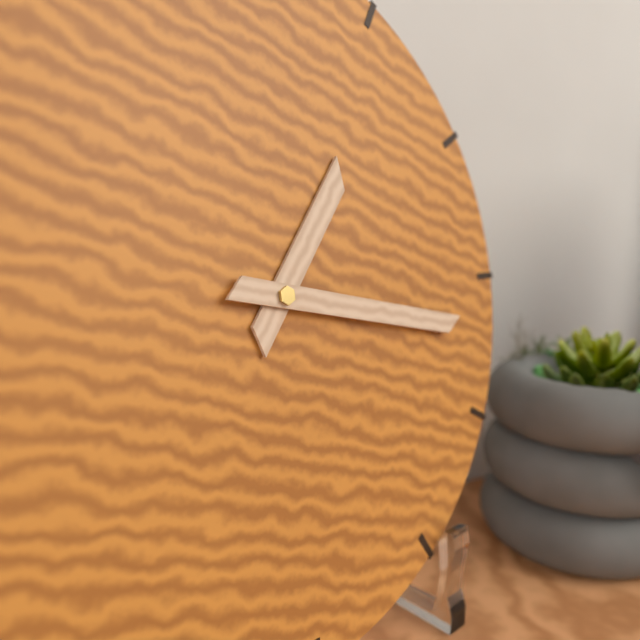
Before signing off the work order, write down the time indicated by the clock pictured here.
1:17
